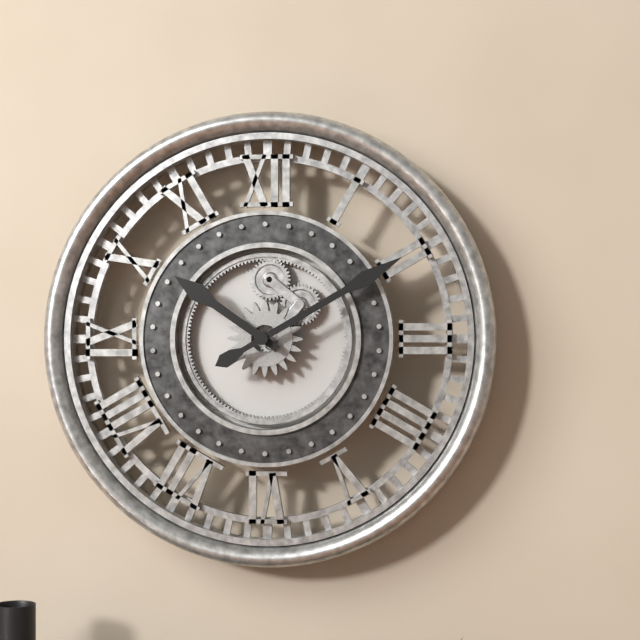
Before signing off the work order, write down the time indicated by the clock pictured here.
10:10
